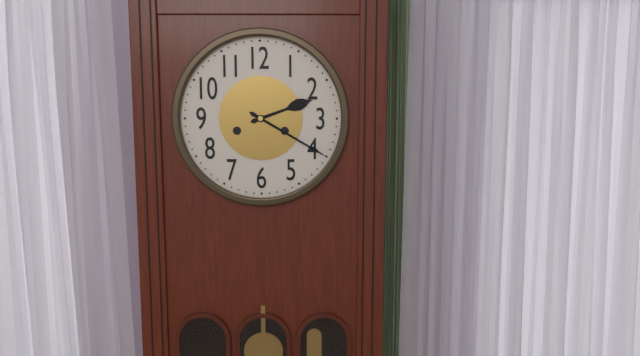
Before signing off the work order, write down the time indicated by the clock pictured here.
2:20
